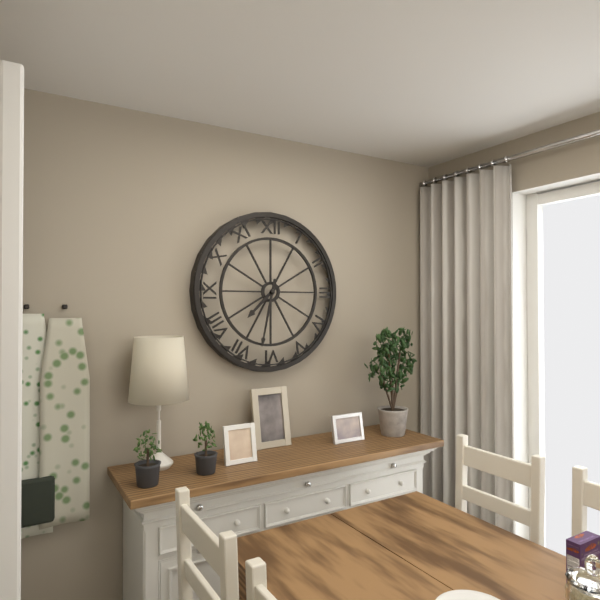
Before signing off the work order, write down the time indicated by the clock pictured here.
7:32
